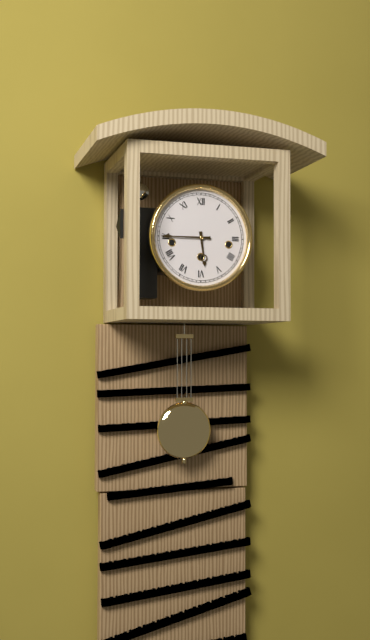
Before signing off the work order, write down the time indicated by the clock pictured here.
5:45
